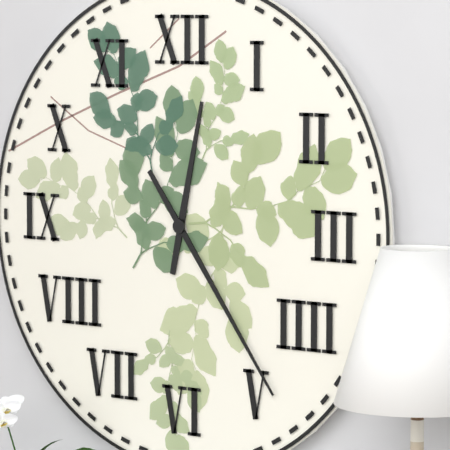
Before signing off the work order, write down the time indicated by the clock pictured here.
12:24
